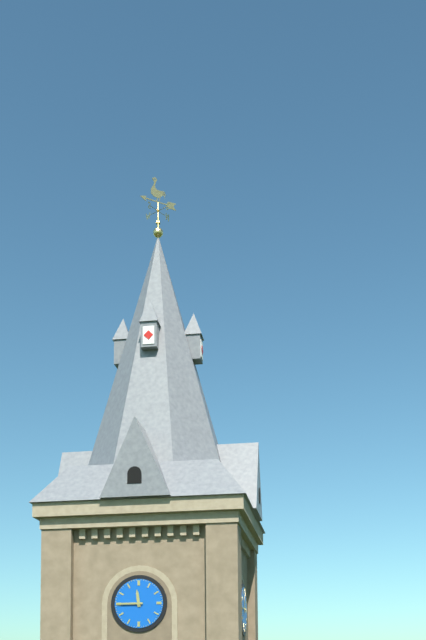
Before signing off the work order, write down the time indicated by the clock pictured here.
11:45
